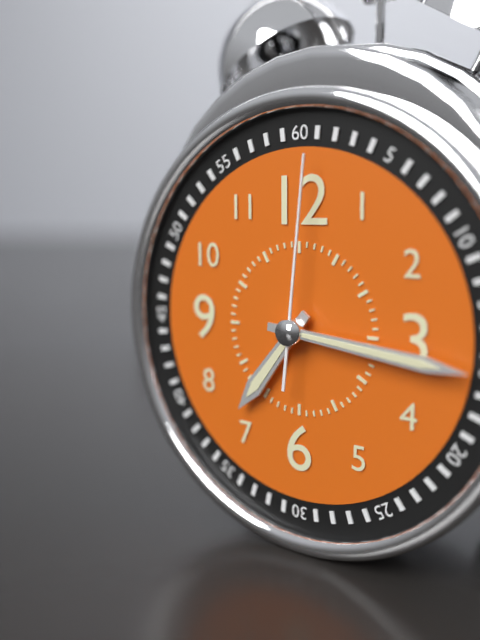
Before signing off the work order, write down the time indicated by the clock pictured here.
7:16:01
